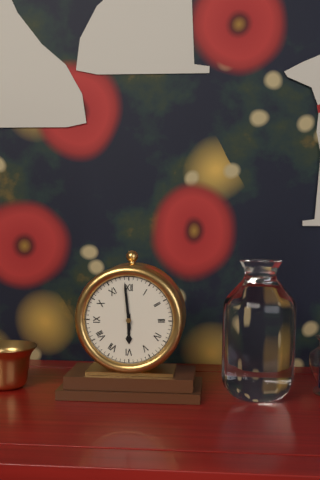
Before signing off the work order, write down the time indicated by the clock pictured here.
5:59
